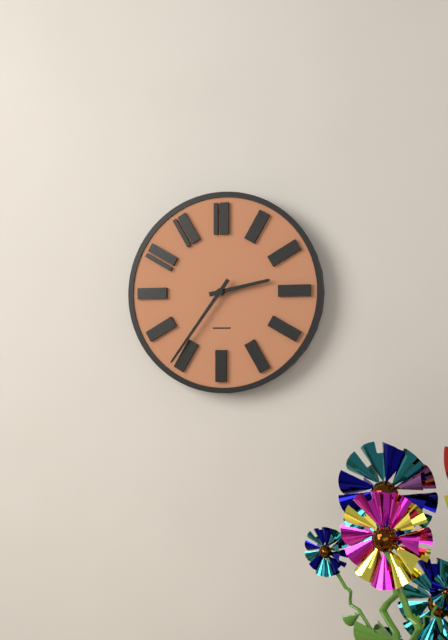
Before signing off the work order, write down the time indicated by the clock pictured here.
2:36
